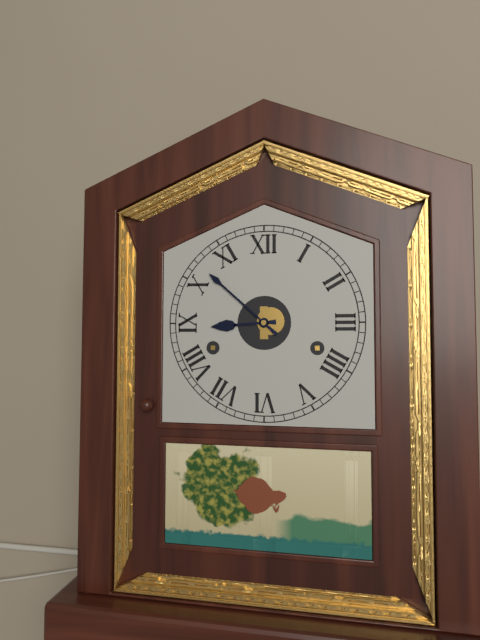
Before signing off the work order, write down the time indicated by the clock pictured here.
8:52
